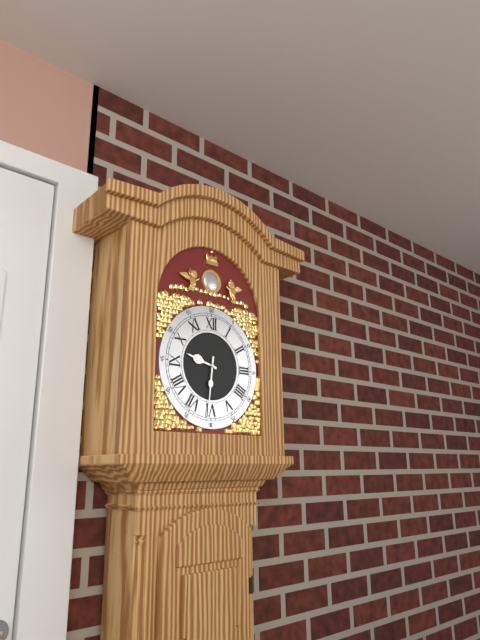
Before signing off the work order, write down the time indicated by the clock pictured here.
9:31
